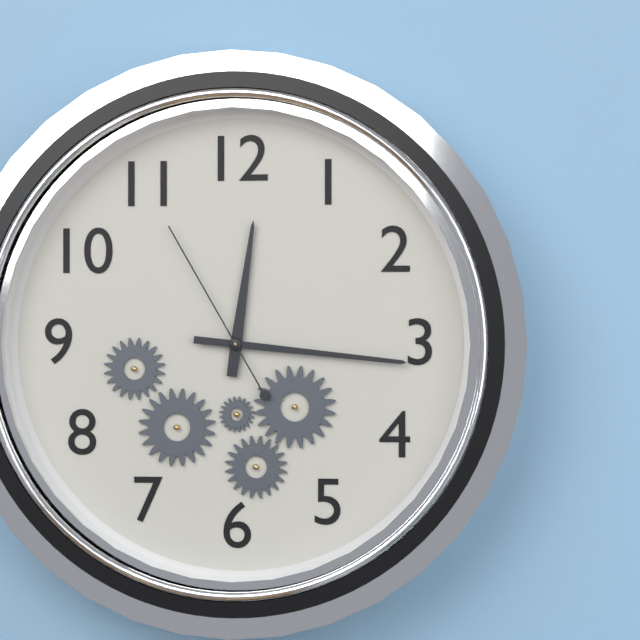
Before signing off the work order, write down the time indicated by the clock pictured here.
12:16:55
